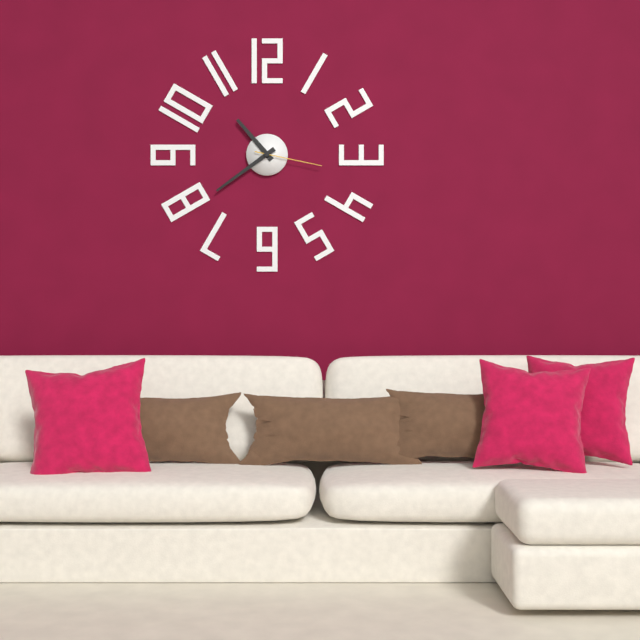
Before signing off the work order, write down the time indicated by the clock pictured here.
10:39:17
